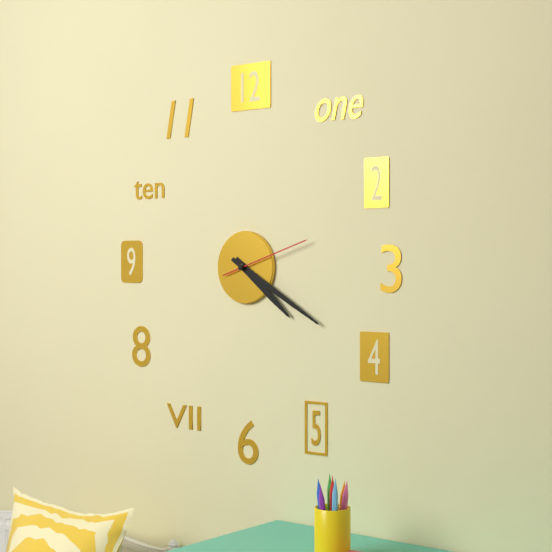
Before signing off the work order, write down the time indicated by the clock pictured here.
4:20:12
